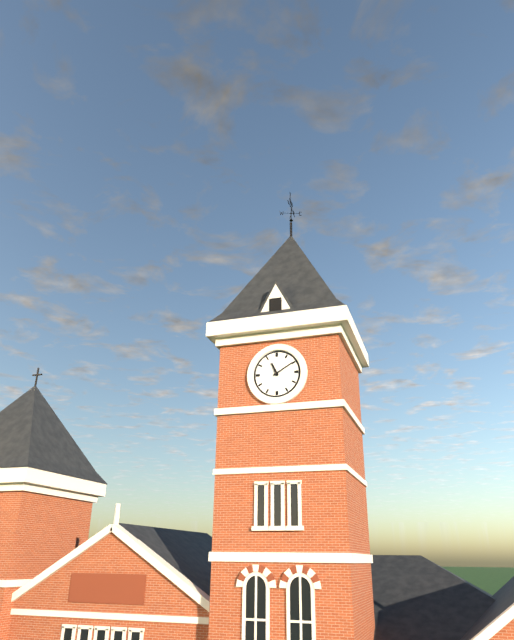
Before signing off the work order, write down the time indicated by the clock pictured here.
11:10
